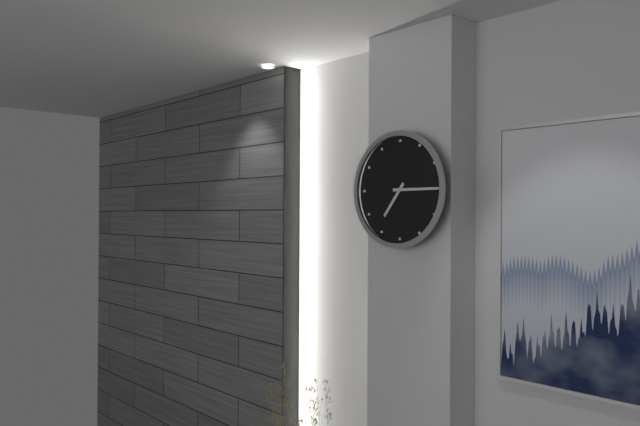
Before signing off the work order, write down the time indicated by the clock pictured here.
7:15
